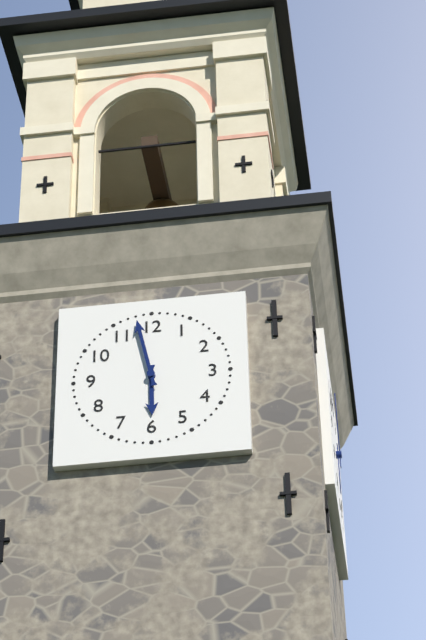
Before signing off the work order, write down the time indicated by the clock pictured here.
5:58
